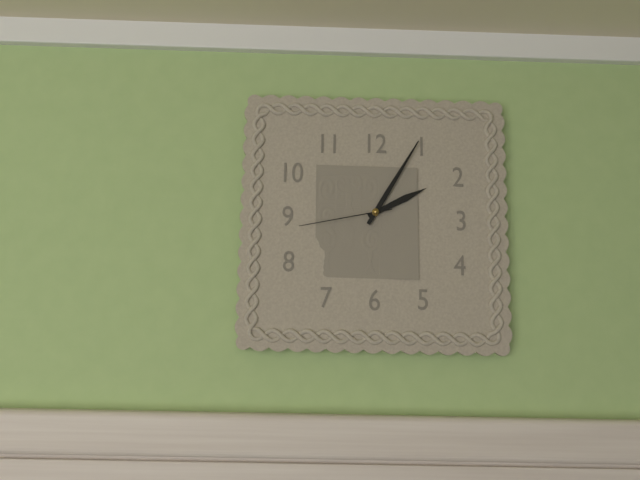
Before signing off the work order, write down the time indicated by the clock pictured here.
2:05:43
